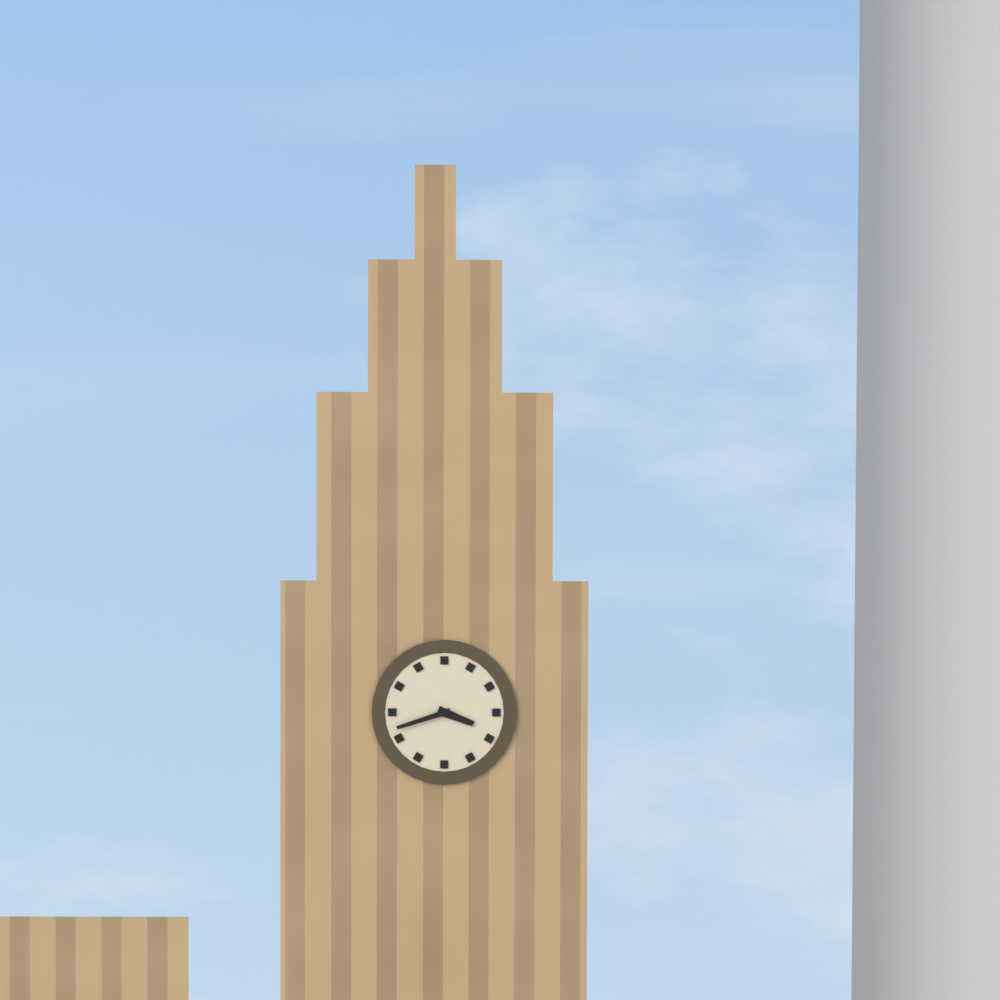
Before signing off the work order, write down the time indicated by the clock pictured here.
3:42
